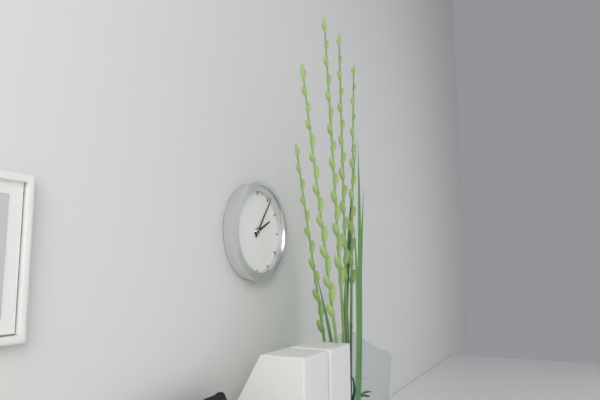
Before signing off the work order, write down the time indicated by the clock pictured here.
2:06
